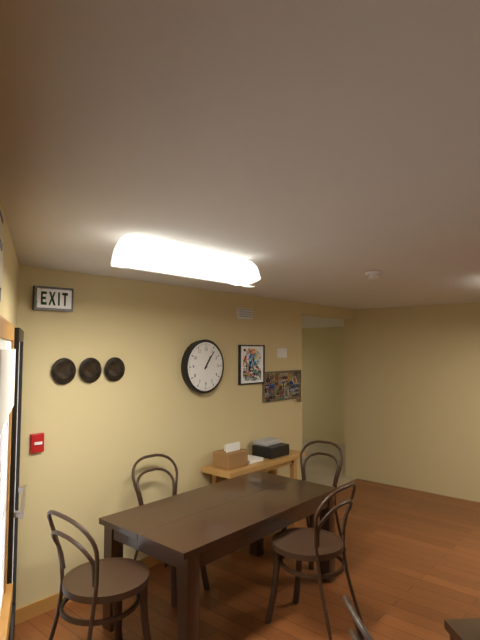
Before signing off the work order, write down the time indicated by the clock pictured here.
1:06
